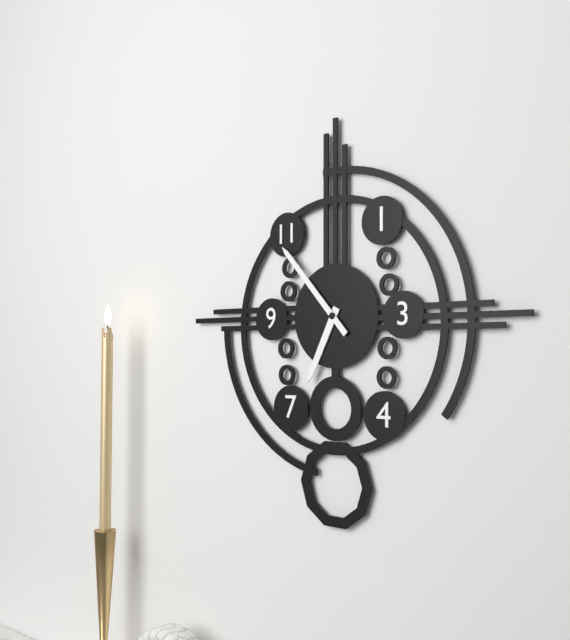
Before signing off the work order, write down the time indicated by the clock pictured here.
6:53
